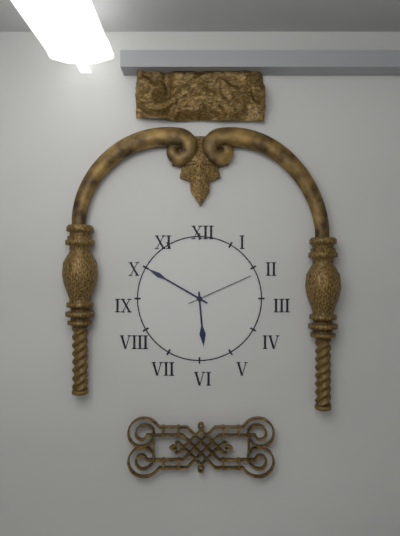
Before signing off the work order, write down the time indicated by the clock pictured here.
5:50:11
